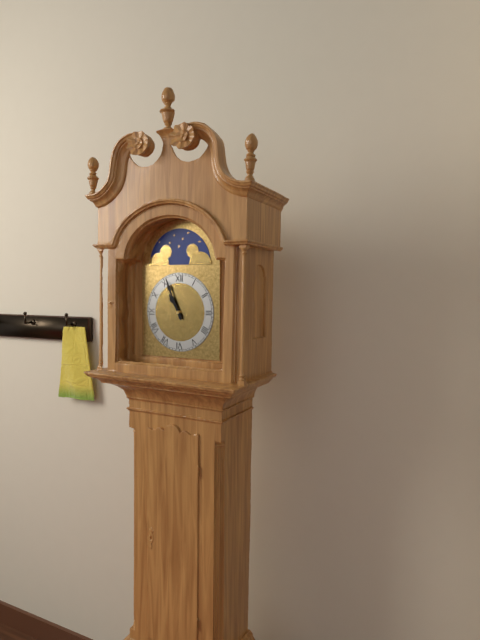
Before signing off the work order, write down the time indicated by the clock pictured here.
10:56
